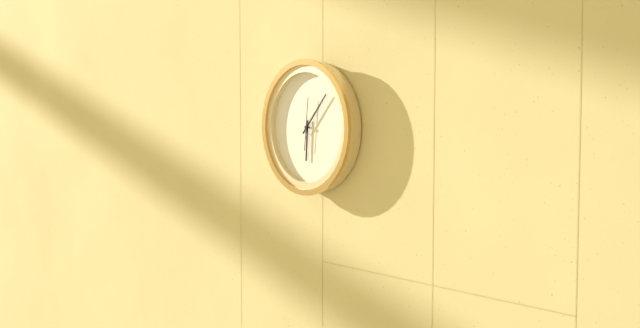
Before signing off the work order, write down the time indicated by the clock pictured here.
6:07
